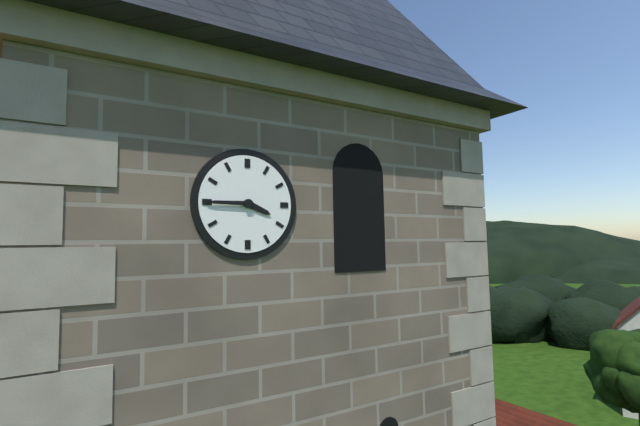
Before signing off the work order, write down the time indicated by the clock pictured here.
3:45
